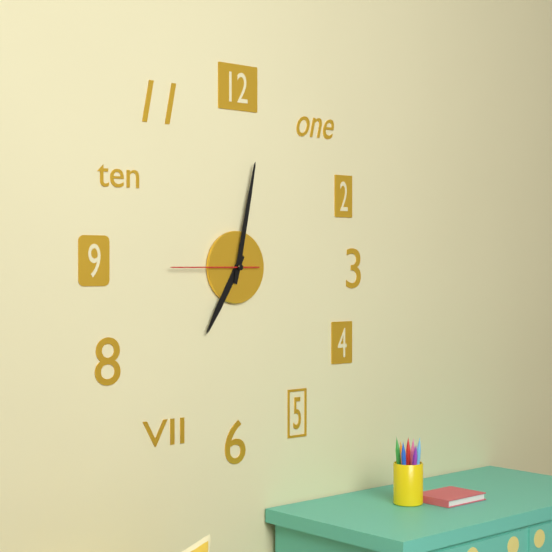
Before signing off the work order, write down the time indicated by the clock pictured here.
7:02:45
